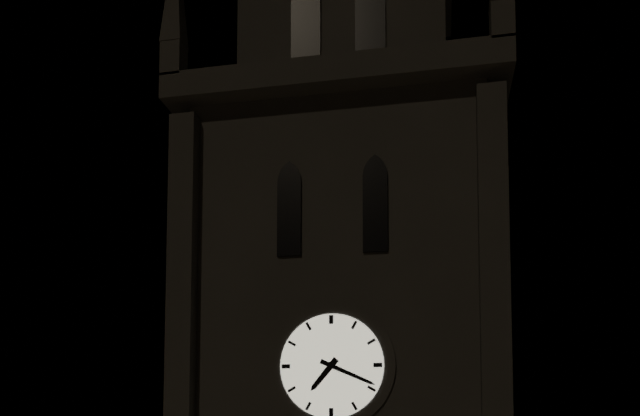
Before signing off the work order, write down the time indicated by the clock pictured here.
7:19
